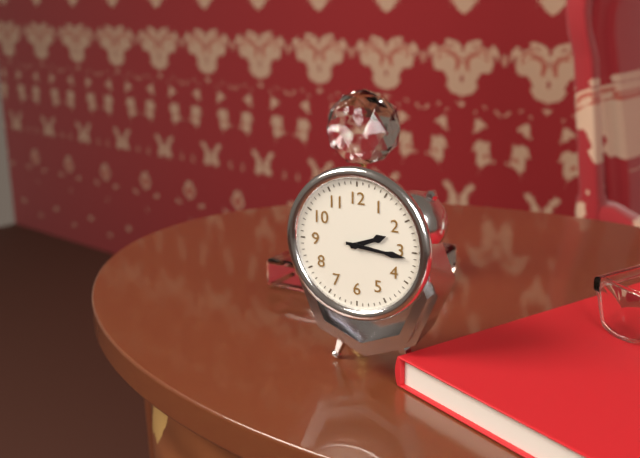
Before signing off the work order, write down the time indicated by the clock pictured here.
2:16
